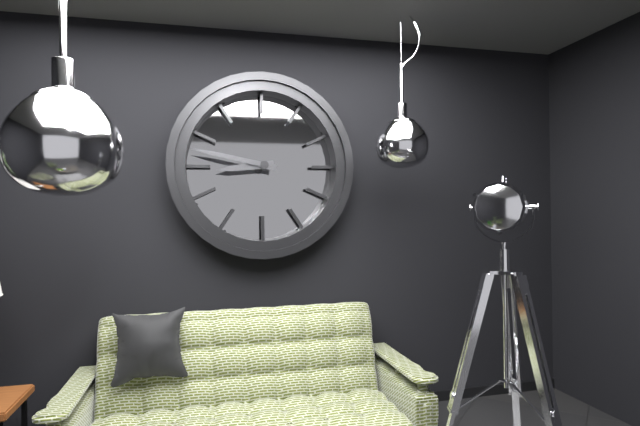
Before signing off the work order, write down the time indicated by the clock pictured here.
8:47
